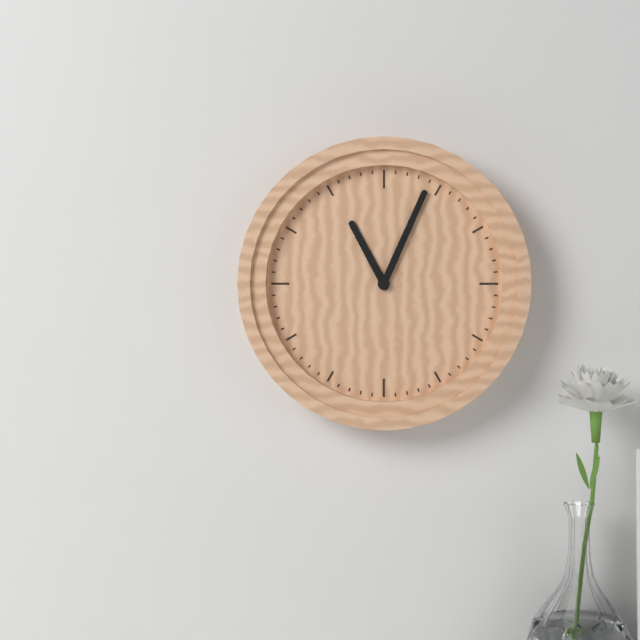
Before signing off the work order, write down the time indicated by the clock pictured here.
11:04
